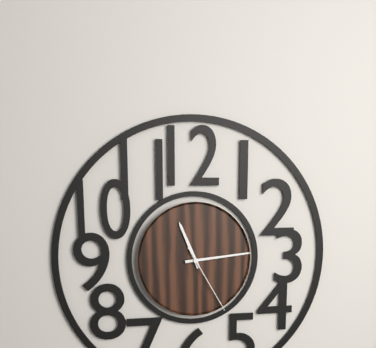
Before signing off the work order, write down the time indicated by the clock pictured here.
11:14:25
